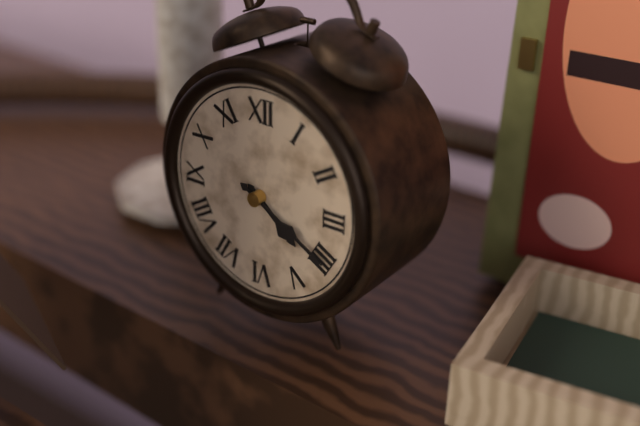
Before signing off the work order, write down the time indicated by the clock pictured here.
4:20
